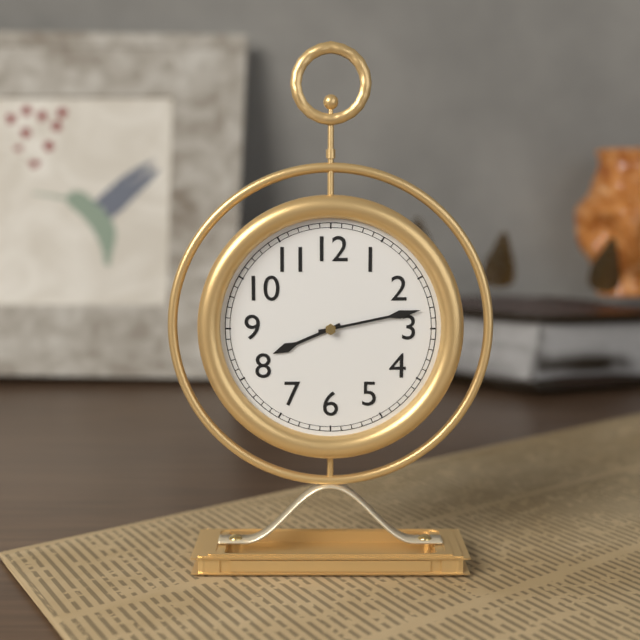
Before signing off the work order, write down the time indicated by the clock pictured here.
8:13
